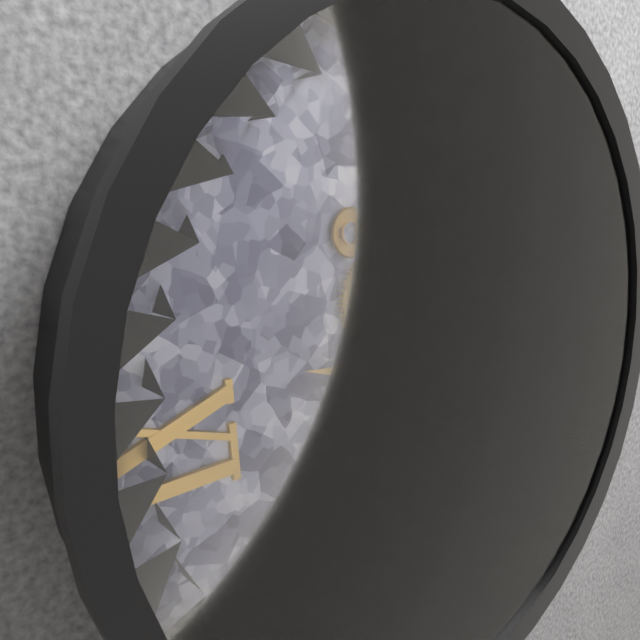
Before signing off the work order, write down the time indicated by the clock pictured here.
9:25
